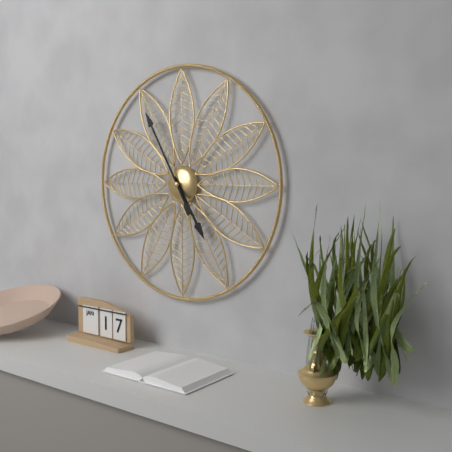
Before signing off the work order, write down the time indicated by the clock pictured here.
4:55
